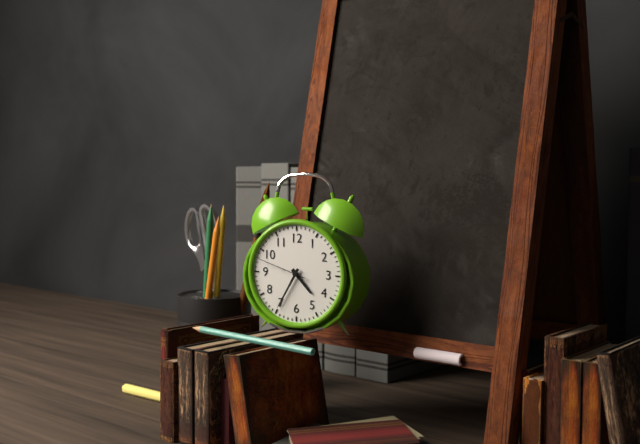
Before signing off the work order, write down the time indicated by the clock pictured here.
4:35:48
